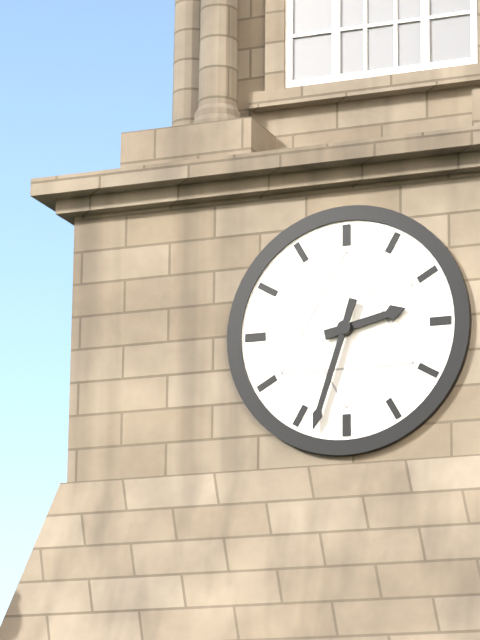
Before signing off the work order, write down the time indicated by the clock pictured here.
2:33
